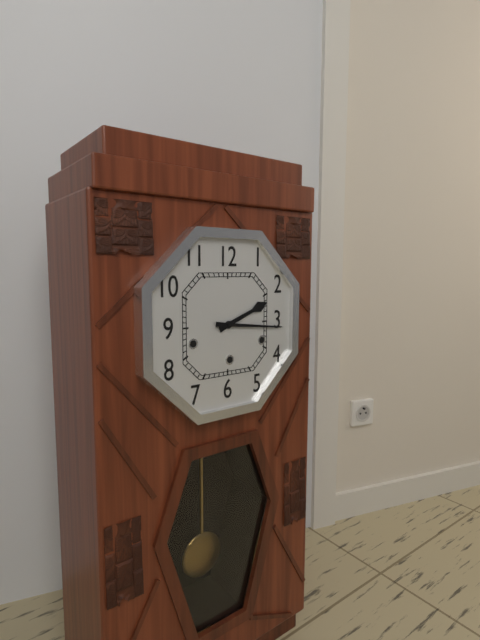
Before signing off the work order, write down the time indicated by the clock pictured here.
2:16
